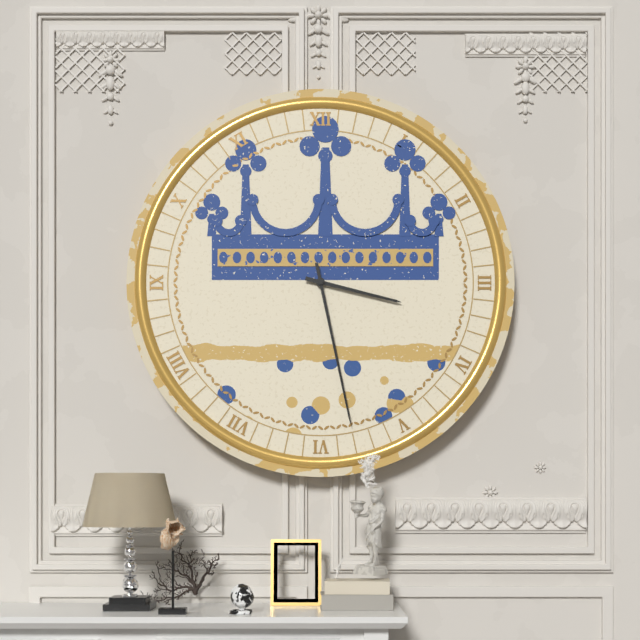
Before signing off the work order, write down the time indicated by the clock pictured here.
3:28
